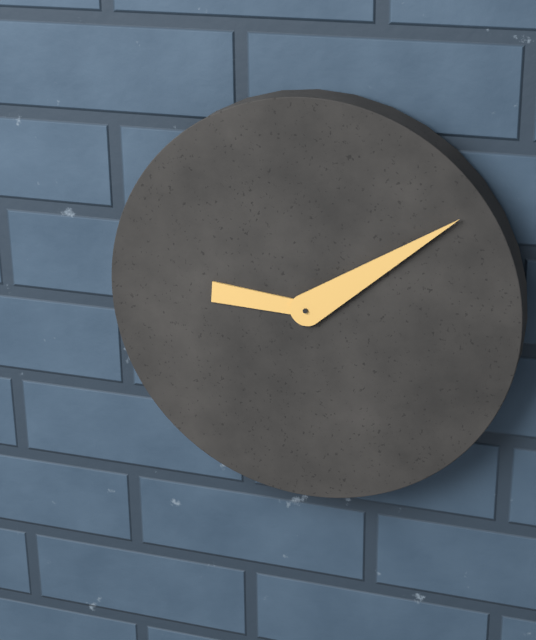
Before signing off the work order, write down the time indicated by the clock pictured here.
9:09
